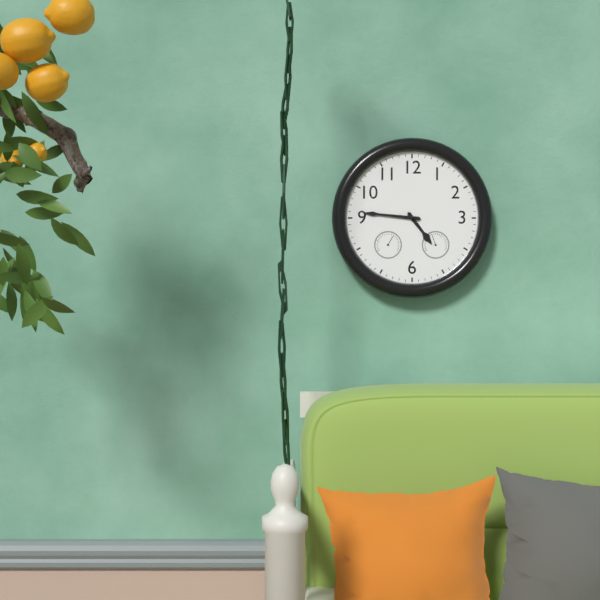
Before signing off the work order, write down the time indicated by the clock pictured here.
4:46
